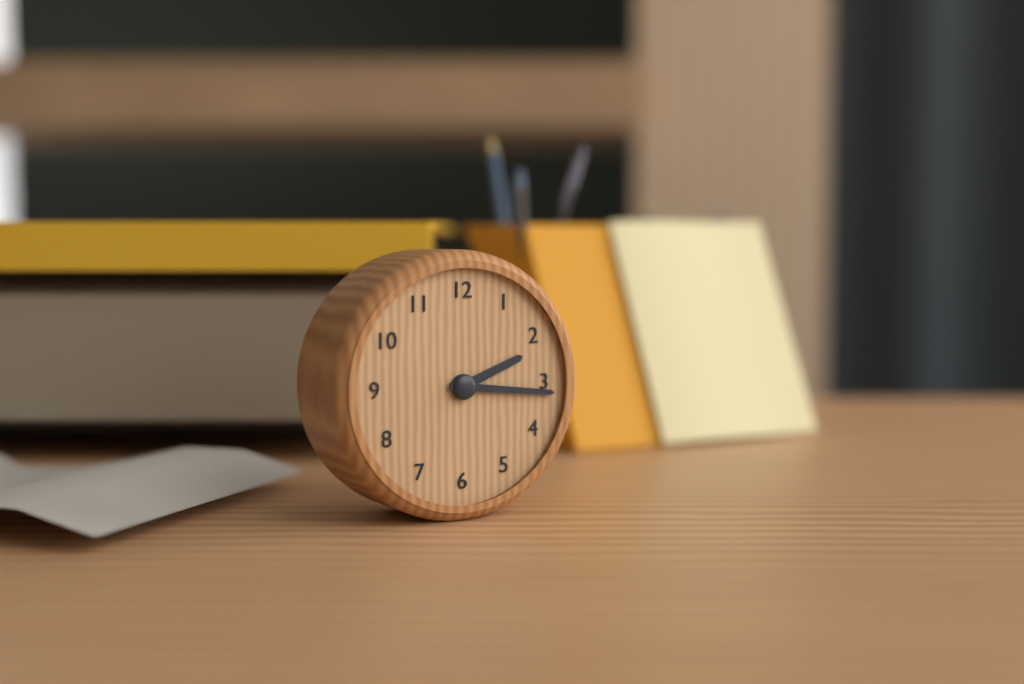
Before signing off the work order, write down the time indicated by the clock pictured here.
2:16
